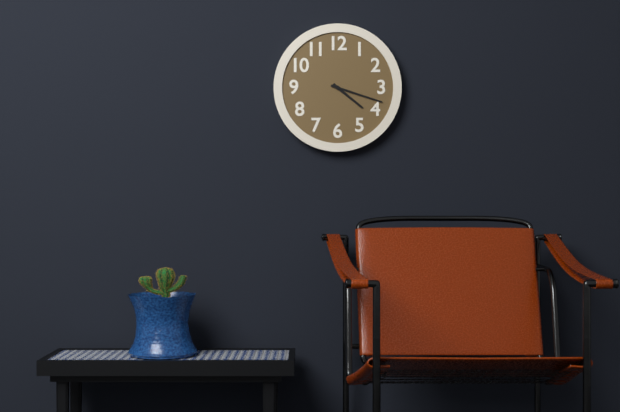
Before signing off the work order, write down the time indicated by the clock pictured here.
4:18
